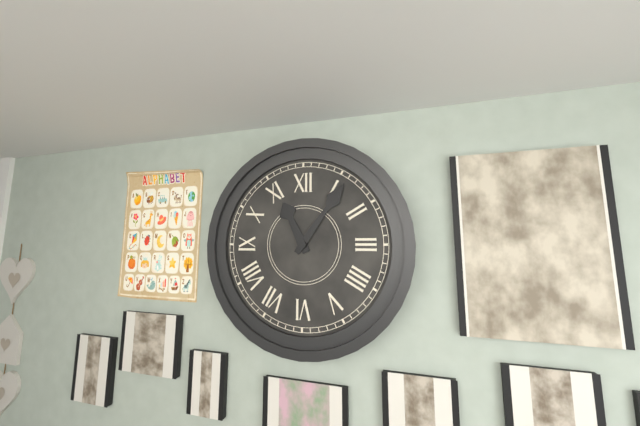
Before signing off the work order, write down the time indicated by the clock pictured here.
11:06
